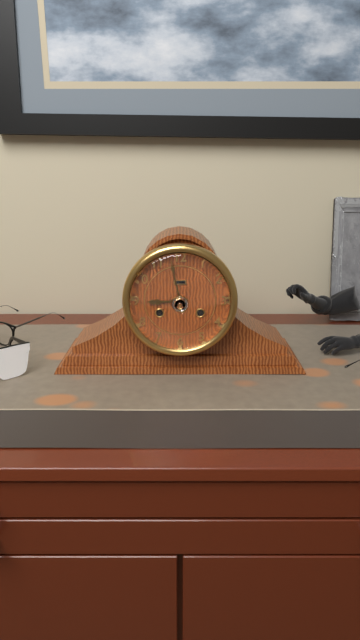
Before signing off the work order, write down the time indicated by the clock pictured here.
8:58
